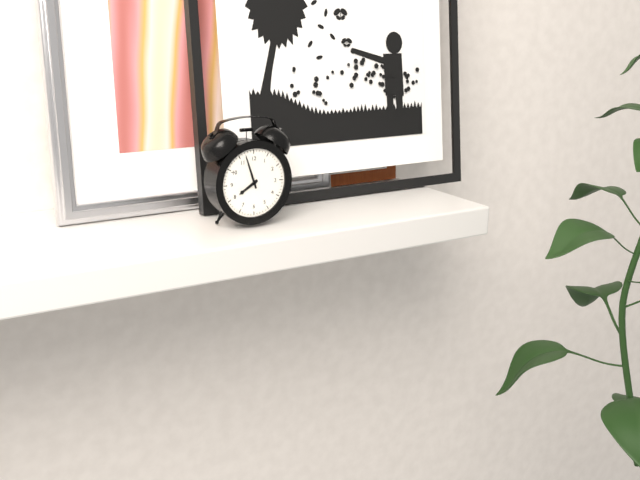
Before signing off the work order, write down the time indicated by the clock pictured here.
7:57
